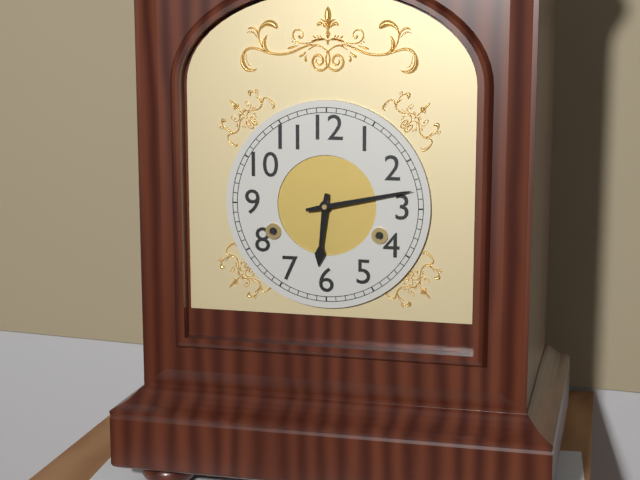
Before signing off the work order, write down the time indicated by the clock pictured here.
6:13
